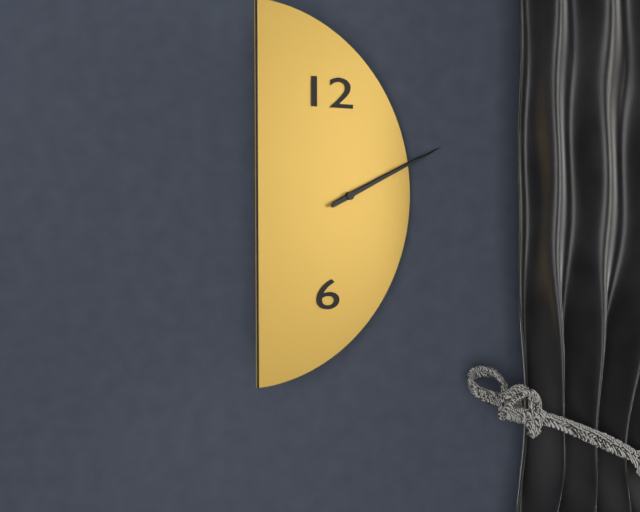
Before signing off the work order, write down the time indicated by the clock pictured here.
2:11
